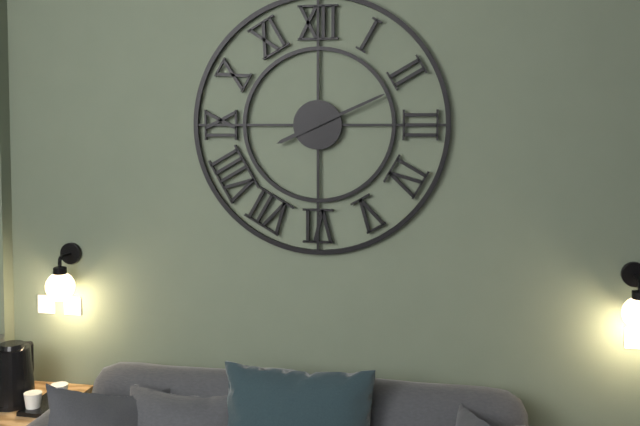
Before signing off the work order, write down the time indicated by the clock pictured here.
8:11
